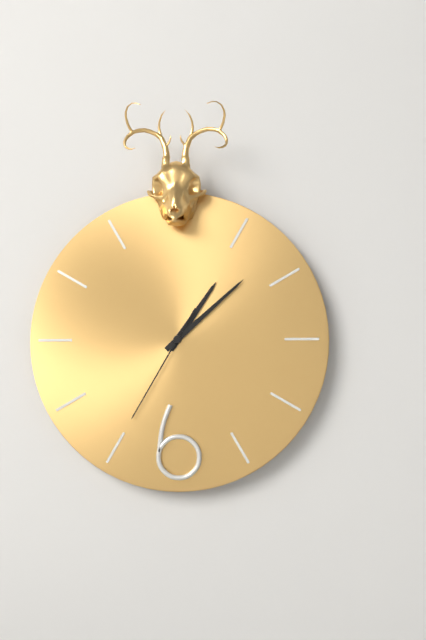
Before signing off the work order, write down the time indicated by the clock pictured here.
1:08:35
